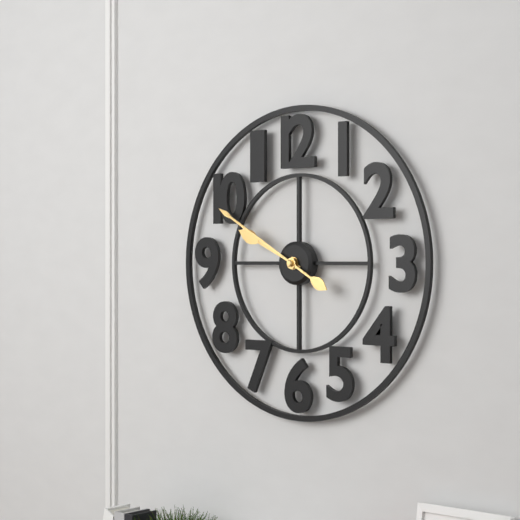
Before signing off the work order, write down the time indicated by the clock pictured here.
9:50
